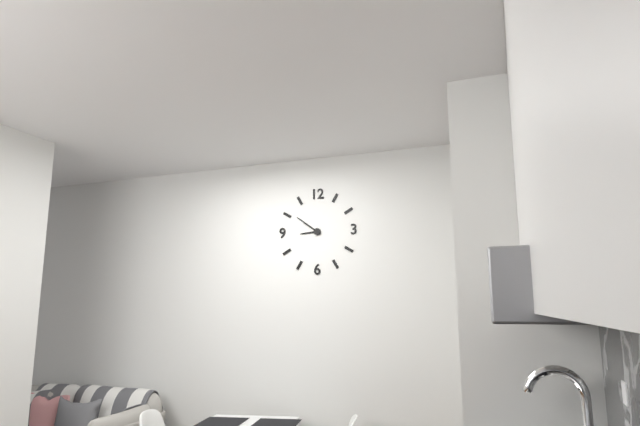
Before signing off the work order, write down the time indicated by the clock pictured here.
8:51
